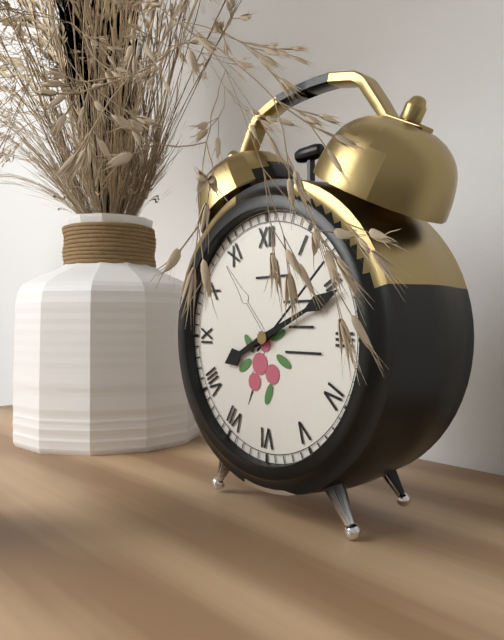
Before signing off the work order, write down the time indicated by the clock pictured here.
8:11
